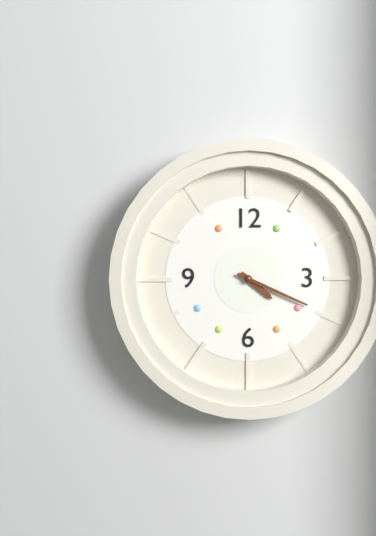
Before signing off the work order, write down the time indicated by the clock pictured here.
4:19
